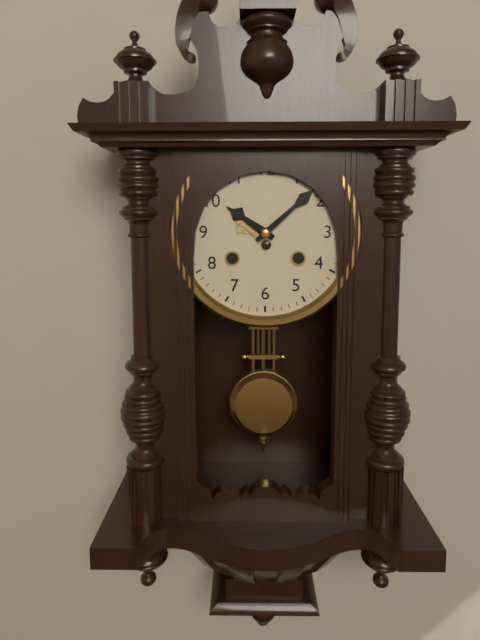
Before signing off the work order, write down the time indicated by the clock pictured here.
10:08
